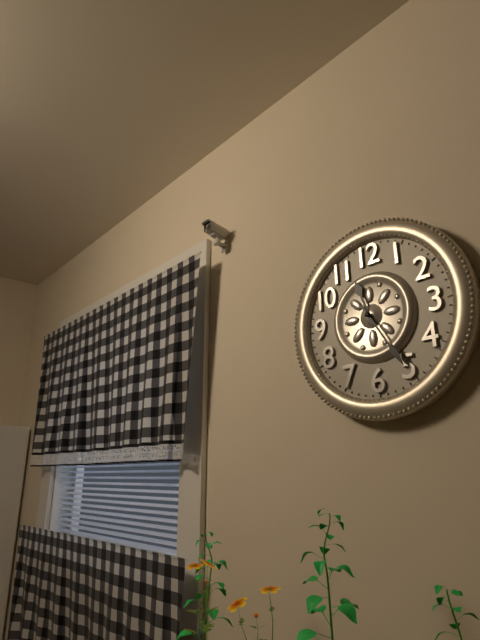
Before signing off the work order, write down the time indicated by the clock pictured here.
11:25
